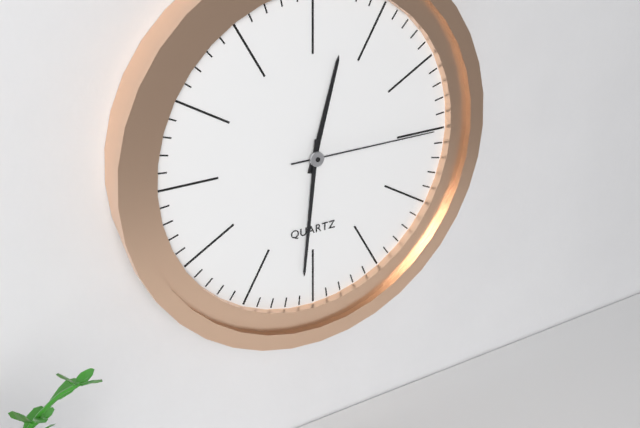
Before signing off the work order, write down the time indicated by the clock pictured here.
12:31:15
